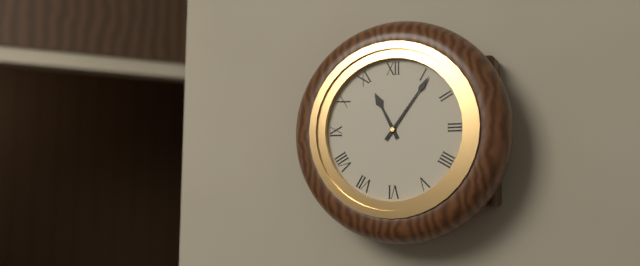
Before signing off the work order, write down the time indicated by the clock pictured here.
11:06
